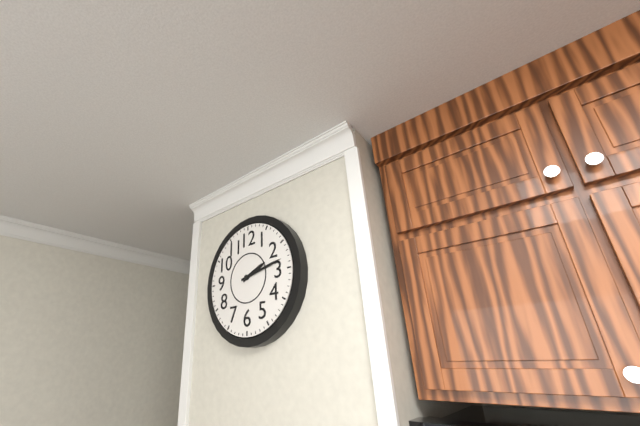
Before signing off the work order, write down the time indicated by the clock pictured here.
2:13
